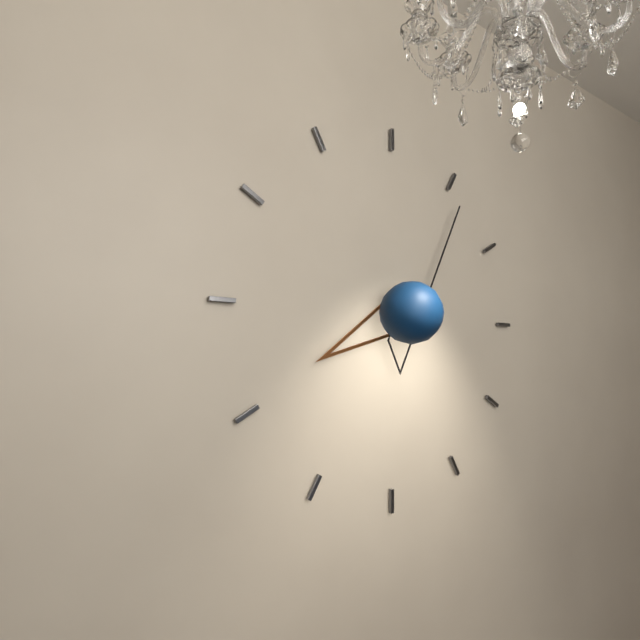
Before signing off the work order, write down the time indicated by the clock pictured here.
8:06
